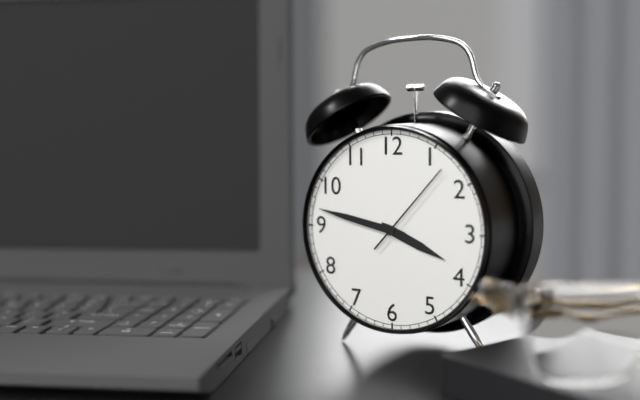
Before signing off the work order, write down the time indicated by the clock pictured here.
3:47:07
